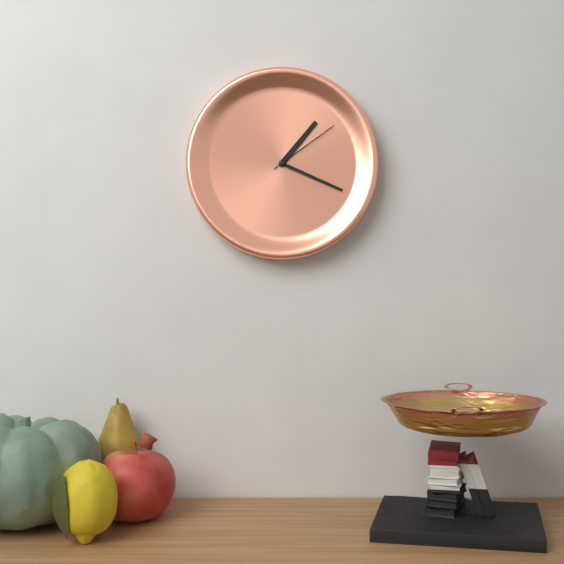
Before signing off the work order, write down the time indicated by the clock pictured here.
1:19:09
